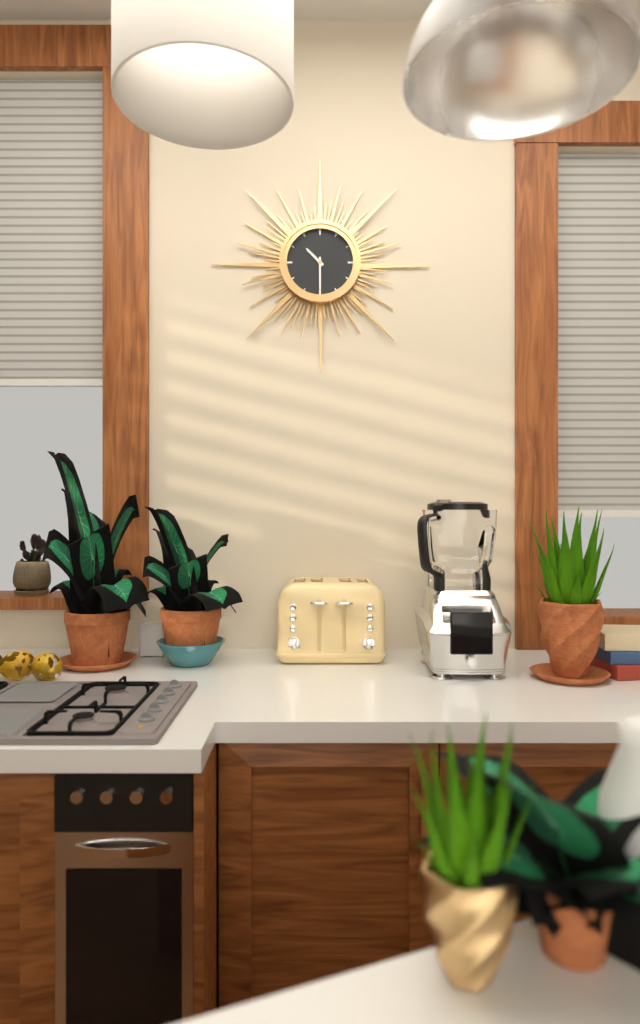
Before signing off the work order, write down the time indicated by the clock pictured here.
10:30
